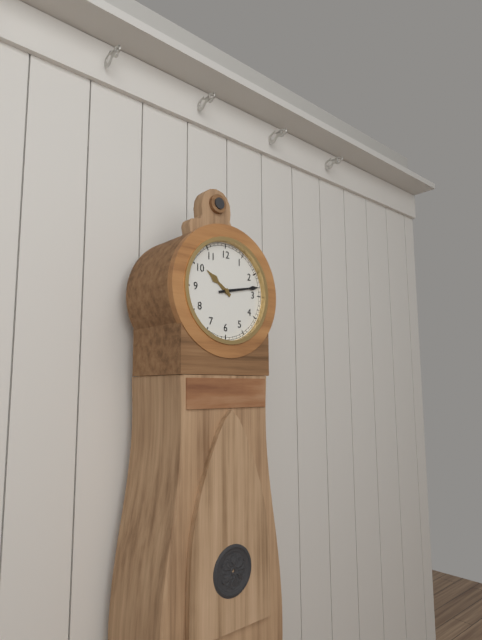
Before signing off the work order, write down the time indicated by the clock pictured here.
10:13
